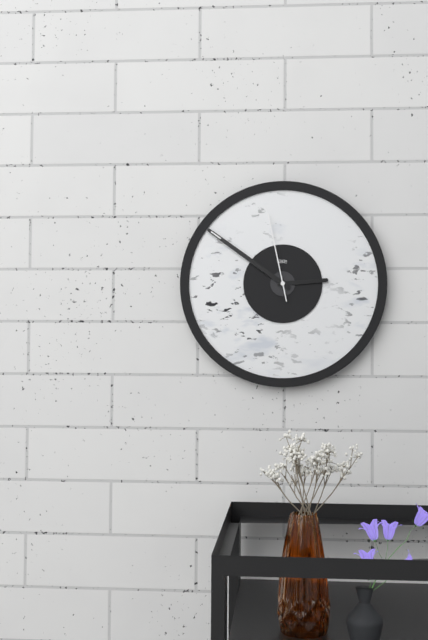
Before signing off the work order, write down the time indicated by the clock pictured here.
2:51:58
